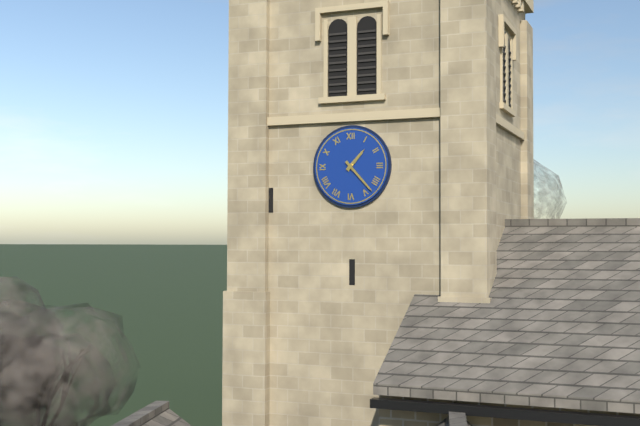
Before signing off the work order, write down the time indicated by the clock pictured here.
1:23
